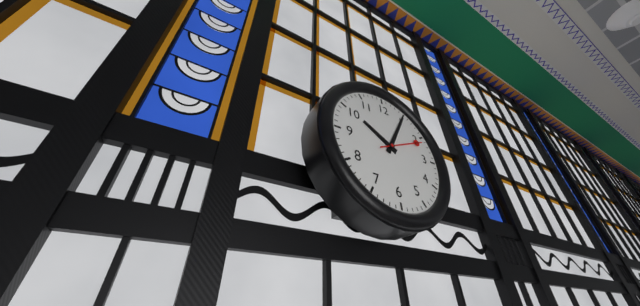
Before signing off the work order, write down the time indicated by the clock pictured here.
10:05
